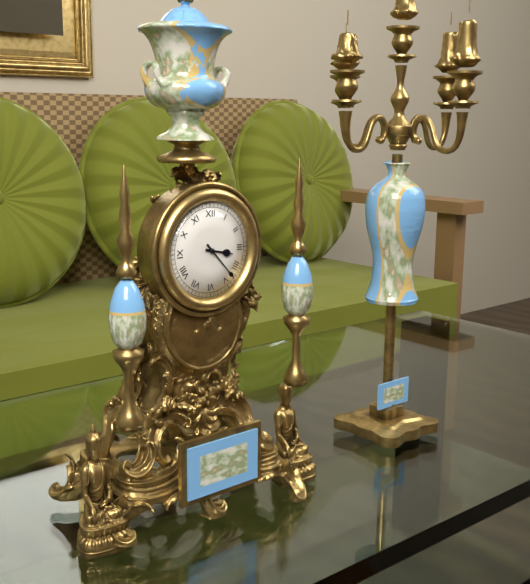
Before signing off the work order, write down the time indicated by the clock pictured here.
3:23
